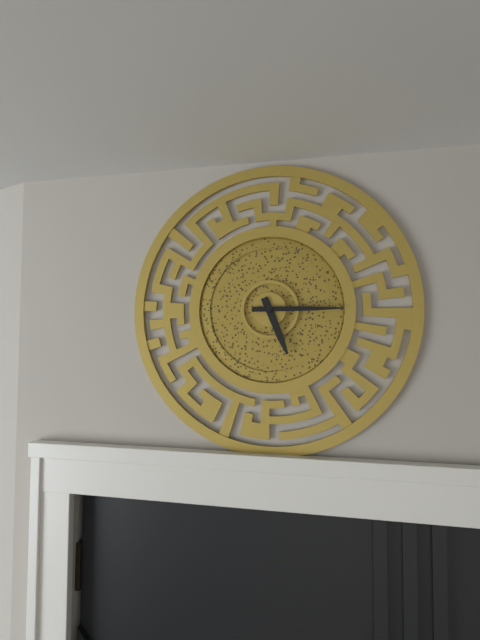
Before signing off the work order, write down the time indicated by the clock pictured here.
5:15
